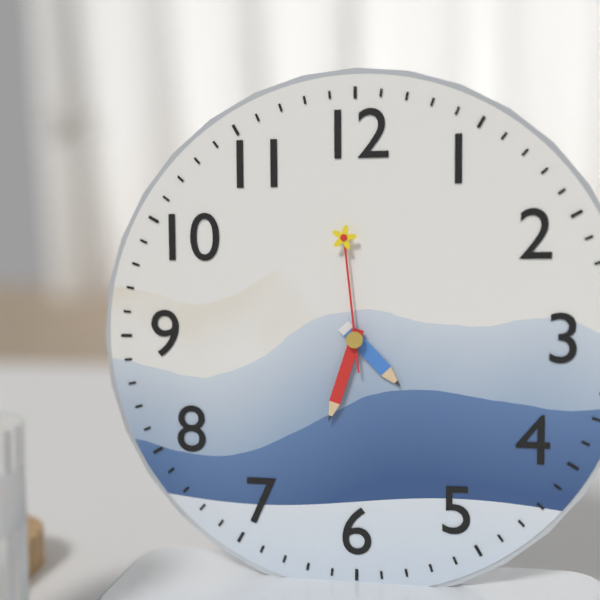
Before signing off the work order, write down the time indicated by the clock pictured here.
4:33:59
